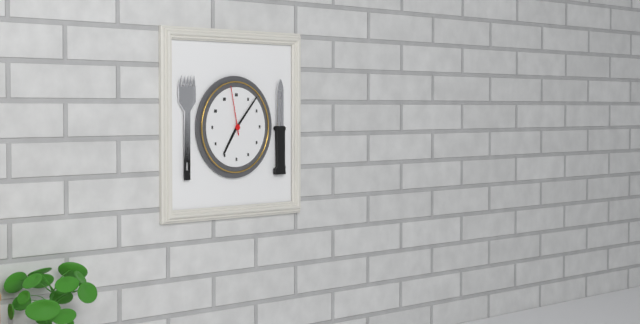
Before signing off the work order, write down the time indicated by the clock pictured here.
7:07:58
